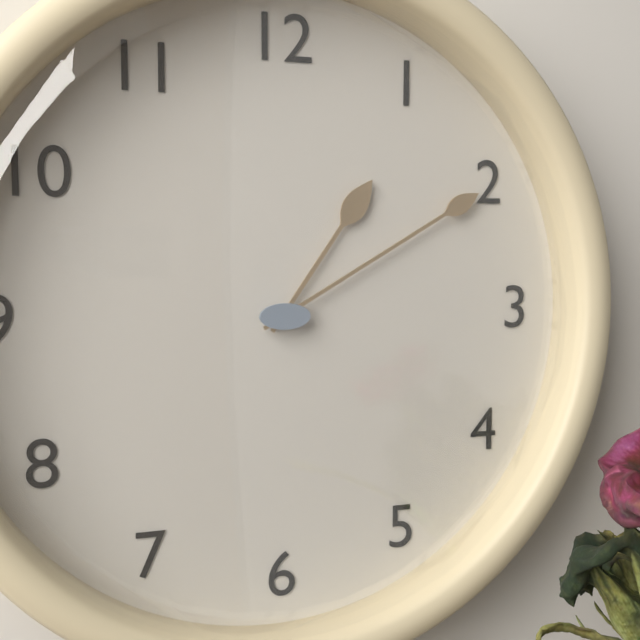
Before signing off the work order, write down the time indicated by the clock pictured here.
1:10
